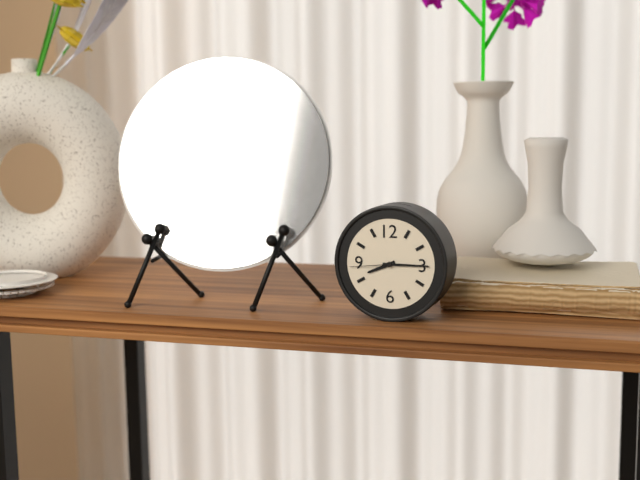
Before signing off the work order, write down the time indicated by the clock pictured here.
8:15
